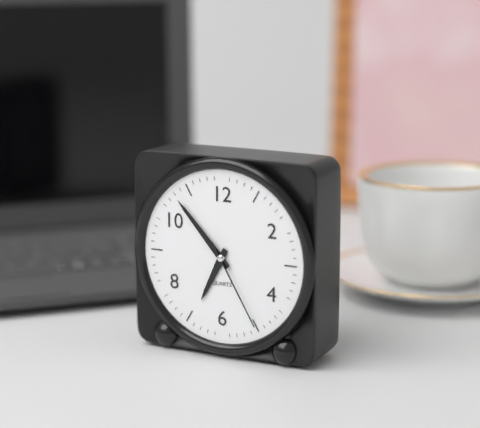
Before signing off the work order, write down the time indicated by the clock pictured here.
6:53:25
